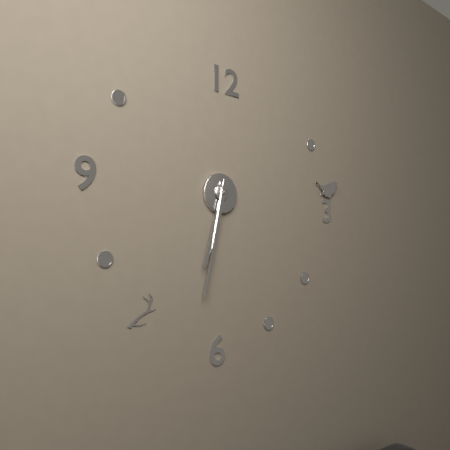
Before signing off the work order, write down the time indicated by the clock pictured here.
6:32
